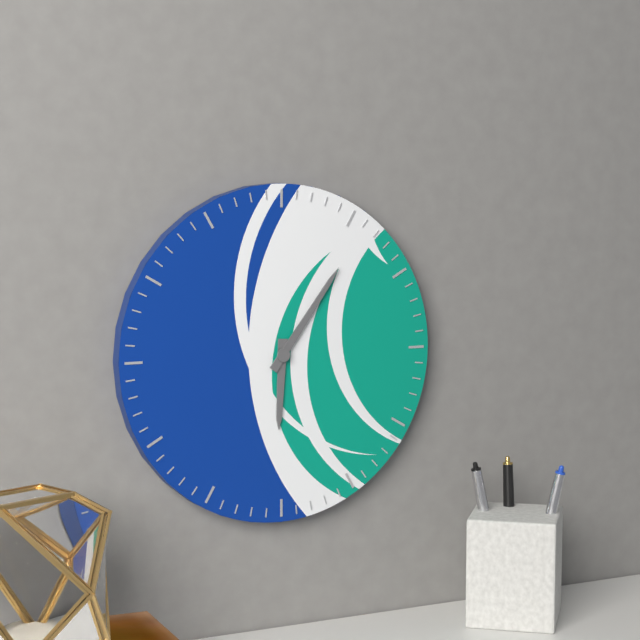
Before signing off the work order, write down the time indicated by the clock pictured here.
6:06
